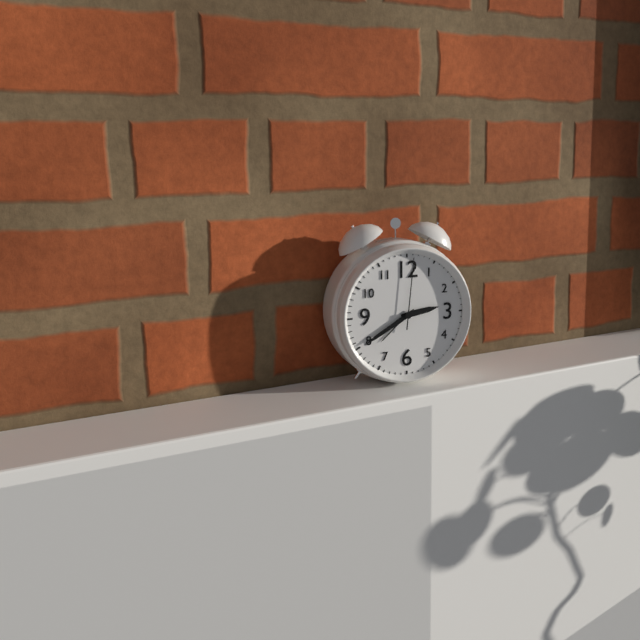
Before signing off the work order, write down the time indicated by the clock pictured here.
2:40:01
